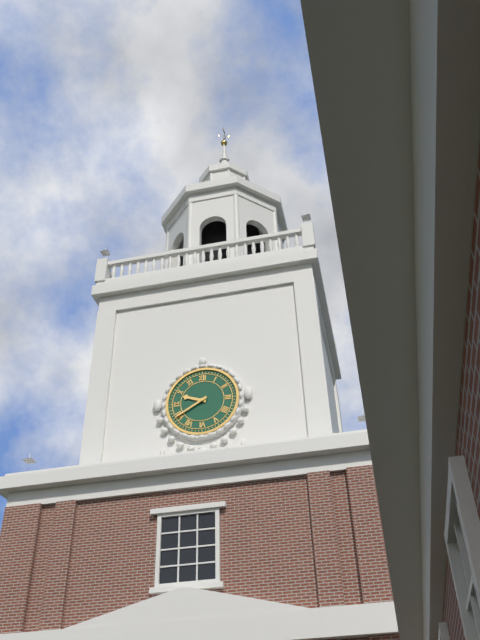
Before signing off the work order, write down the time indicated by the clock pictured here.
9:40
